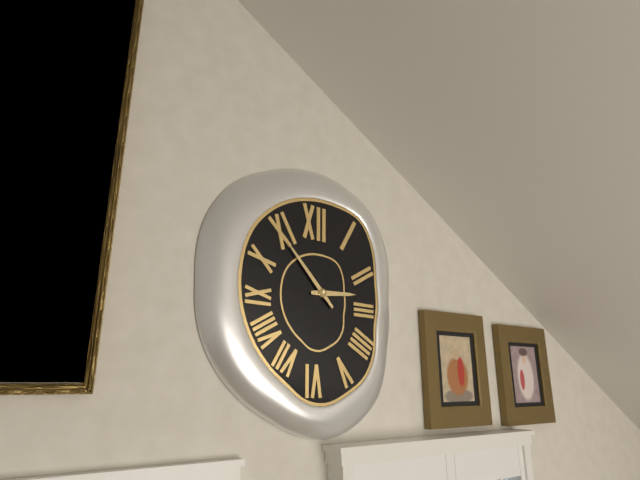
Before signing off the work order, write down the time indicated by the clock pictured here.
2:53
